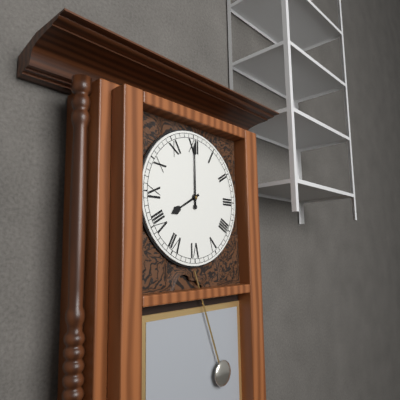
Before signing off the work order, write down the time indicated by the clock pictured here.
8:00
